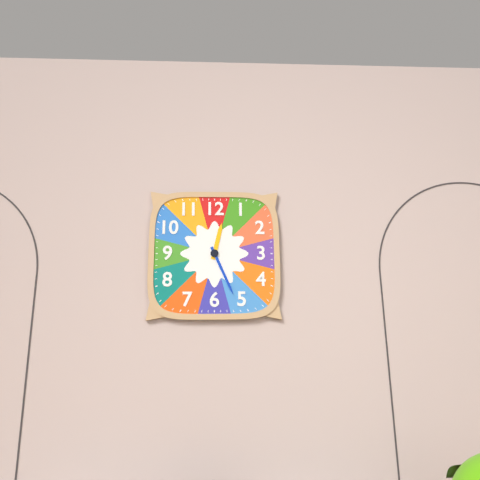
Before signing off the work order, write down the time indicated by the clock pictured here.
12:26
